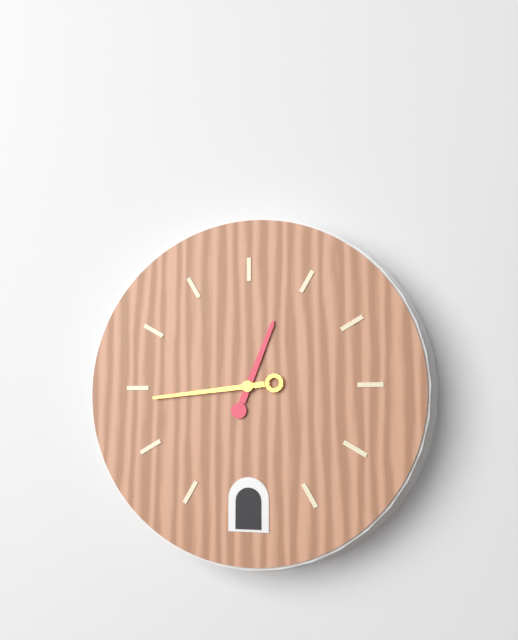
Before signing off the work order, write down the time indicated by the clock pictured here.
12:44
